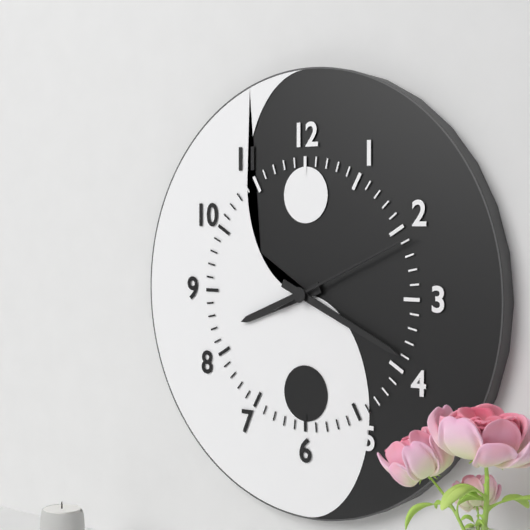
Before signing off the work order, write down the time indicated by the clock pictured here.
8:19:11
